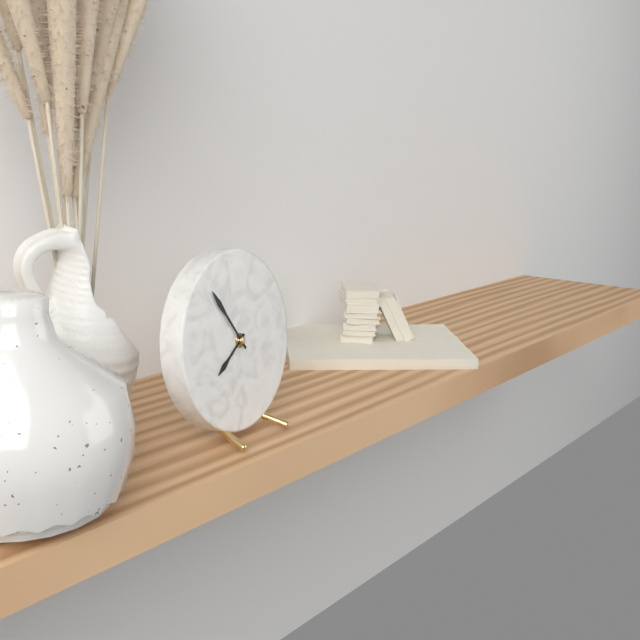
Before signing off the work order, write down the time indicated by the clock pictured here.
7:54
